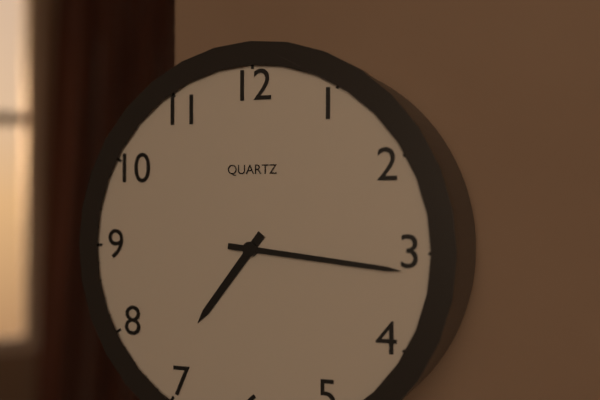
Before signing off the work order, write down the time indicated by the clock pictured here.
7:16
